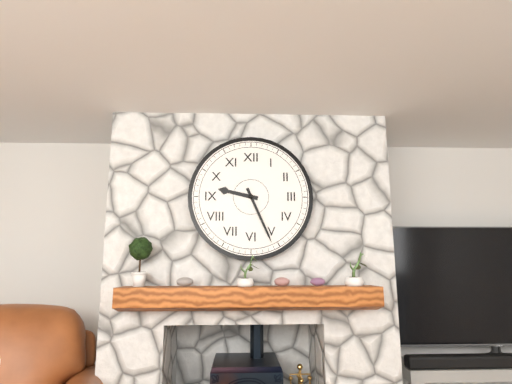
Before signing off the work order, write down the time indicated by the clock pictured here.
9:26
